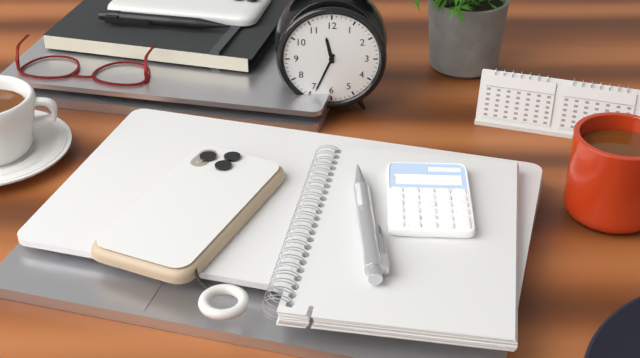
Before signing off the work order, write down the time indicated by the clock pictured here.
11:34
